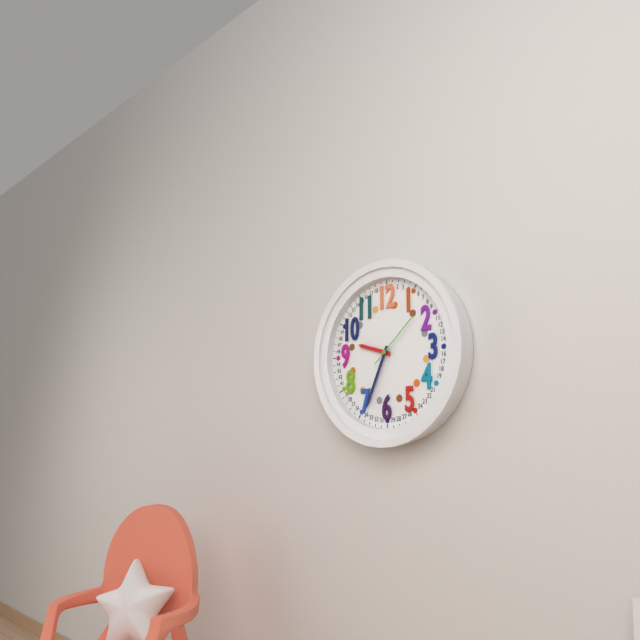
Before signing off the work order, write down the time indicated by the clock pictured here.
9:34:08
